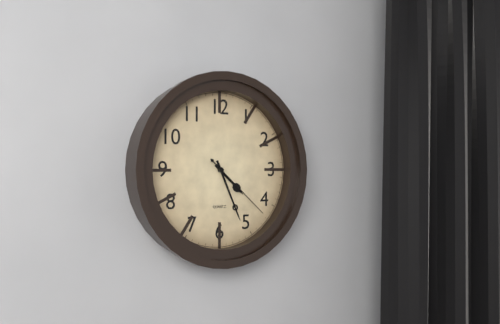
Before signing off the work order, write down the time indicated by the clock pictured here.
4:26:22
